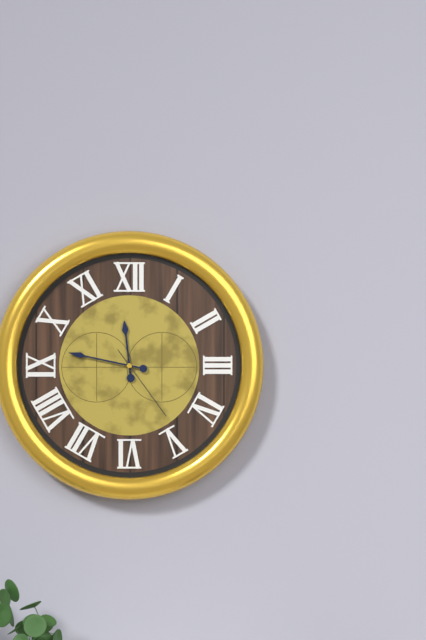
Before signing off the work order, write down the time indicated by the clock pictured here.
11:47:24
